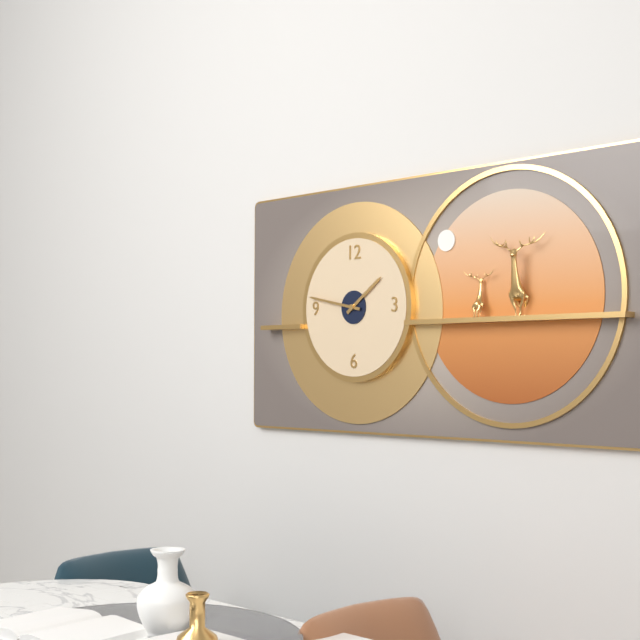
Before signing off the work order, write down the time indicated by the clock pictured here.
1:47
